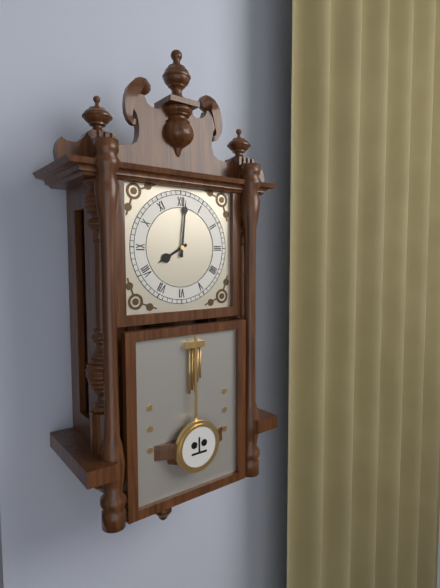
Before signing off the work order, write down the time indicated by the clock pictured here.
8:01
